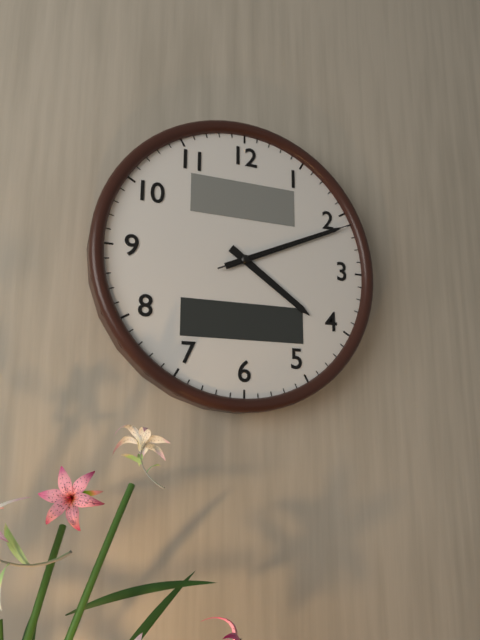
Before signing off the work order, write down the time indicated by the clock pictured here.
4:11:11
